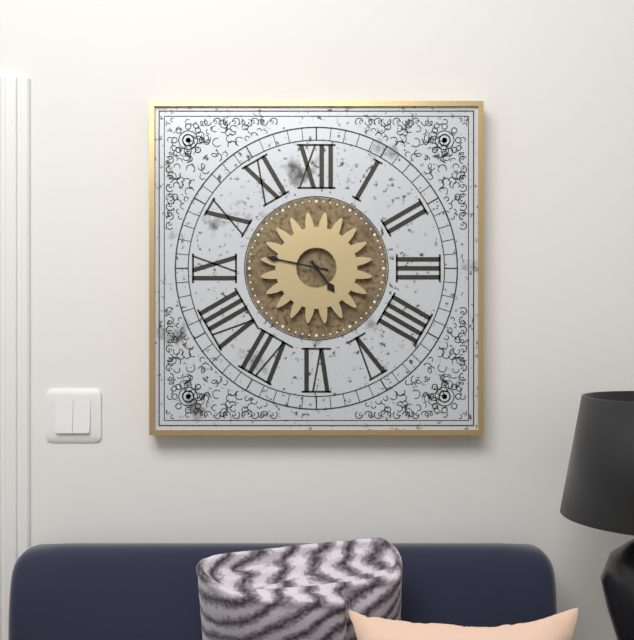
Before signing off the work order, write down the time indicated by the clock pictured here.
4:47
